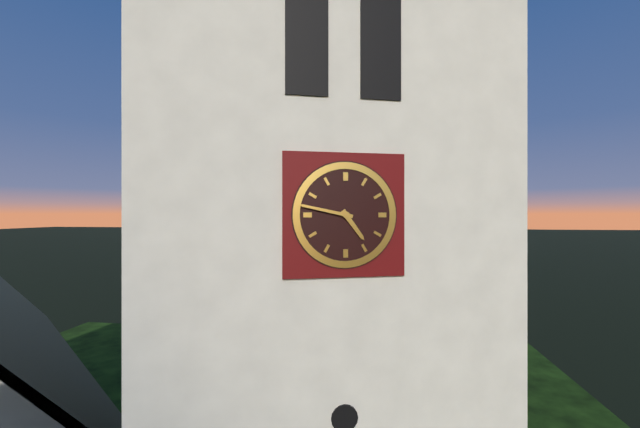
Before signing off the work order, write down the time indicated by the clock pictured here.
4:47
